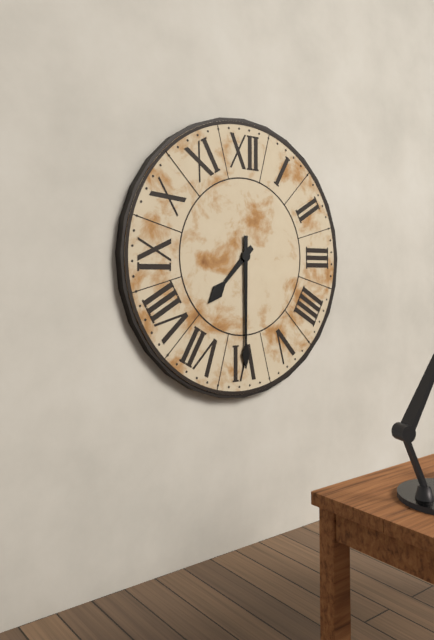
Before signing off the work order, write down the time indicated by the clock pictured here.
7:30
